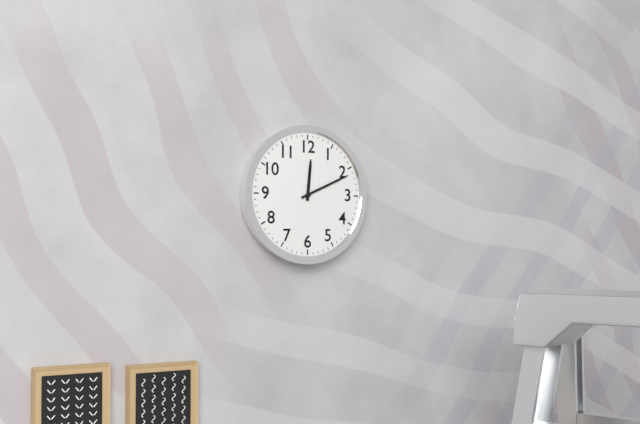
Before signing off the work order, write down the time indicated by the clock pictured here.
12:11
